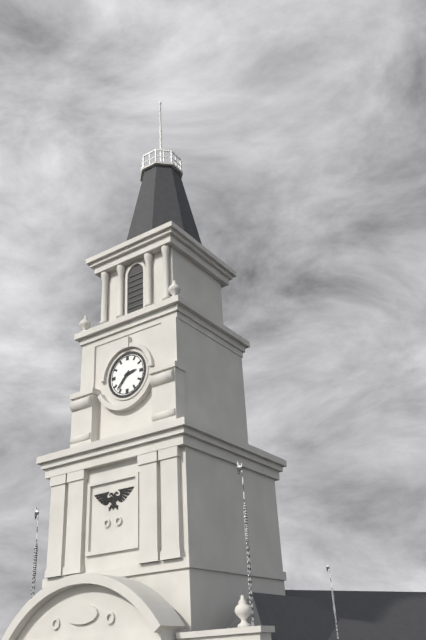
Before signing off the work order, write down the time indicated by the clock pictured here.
2:37
